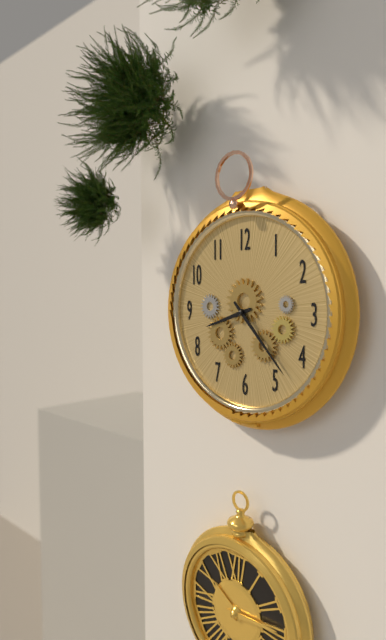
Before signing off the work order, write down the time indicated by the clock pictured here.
8:23
